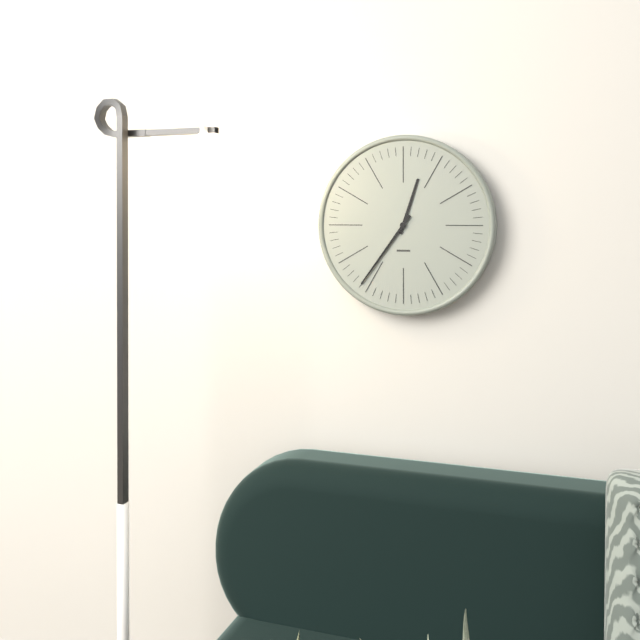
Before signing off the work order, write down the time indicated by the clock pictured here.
12:36
